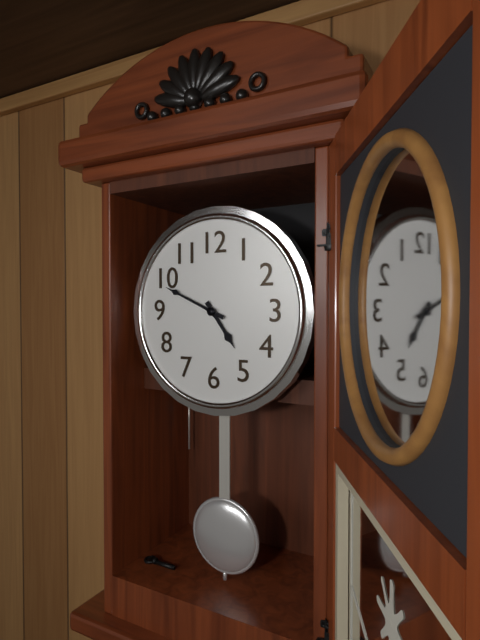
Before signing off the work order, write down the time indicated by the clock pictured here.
4:49
